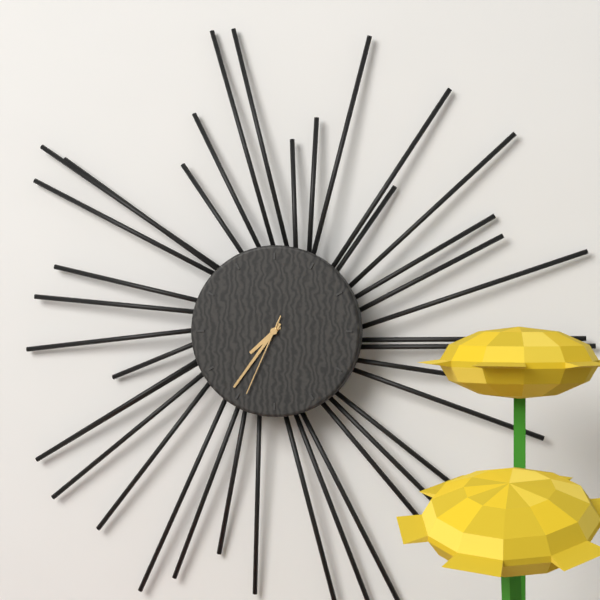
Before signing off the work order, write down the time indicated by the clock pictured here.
7:36:34
